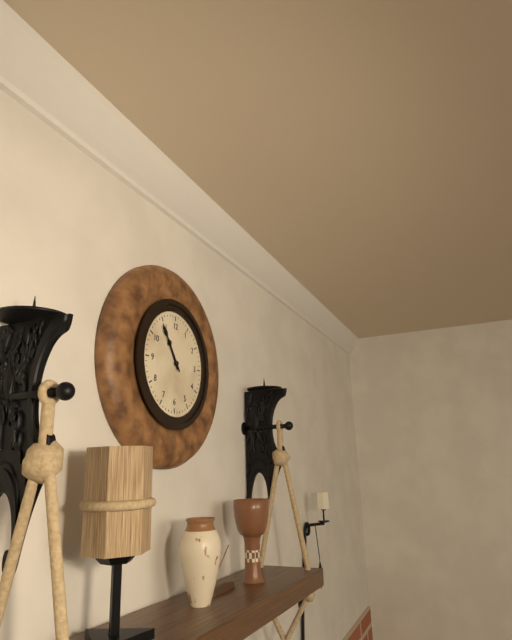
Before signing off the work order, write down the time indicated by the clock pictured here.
10:54
